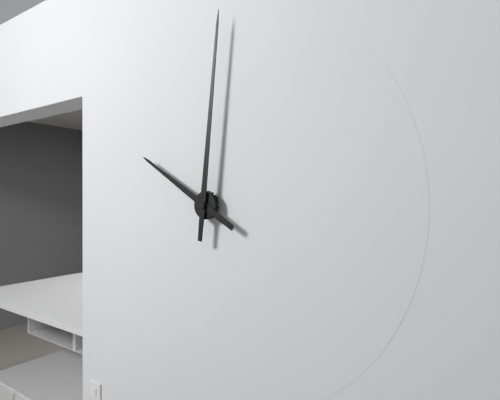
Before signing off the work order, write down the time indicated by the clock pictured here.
10:01
